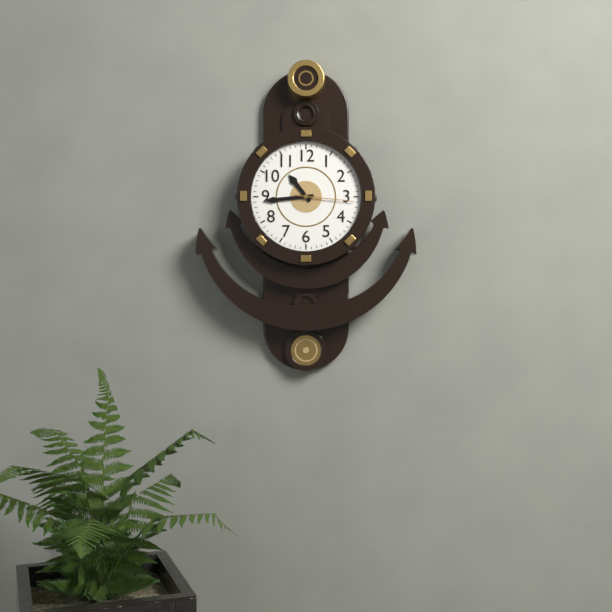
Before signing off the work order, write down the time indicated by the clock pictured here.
10:44:16
